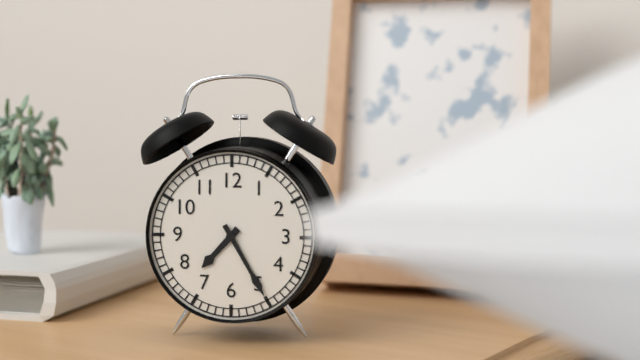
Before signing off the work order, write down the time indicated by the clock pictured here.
7:25
